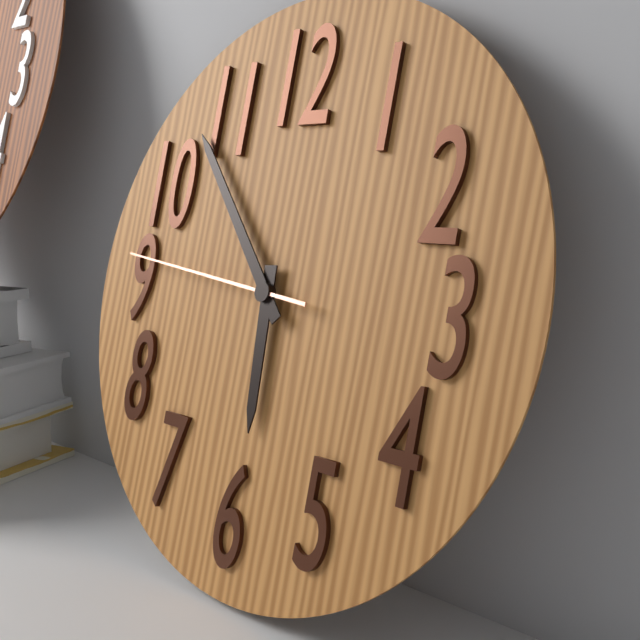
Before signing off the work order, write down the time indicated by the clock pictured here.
5:53:46
